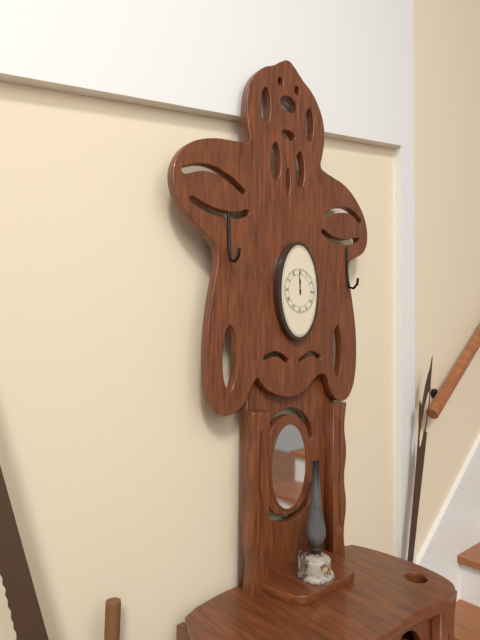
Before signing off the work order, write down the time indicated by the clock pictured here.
11:59
